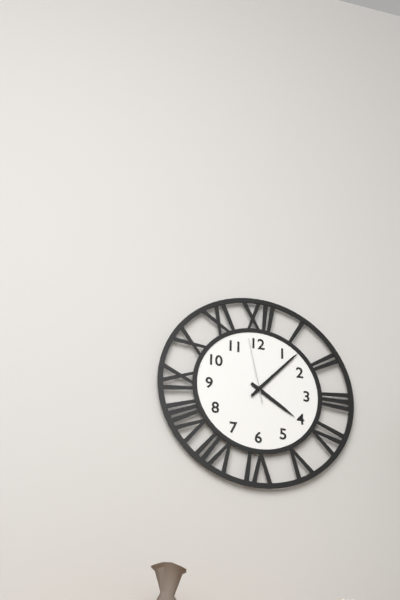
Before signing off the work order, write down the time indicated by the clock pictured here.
4:07:58
